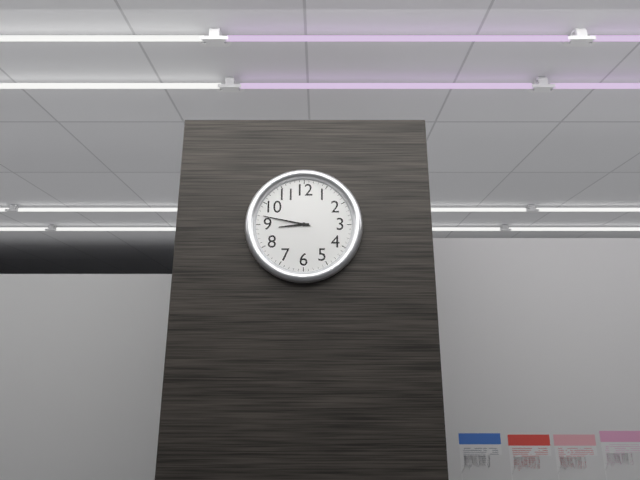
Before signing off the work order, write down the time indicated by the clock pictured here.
8:47
